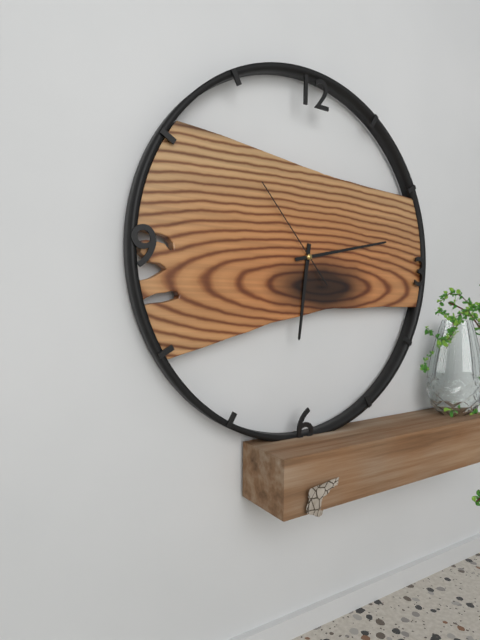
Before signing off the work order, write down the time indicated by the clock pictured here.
6:13:53
